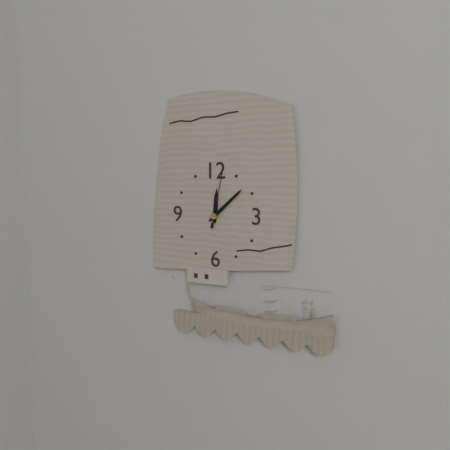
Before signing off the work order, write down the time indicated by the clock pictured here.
12:08:02
